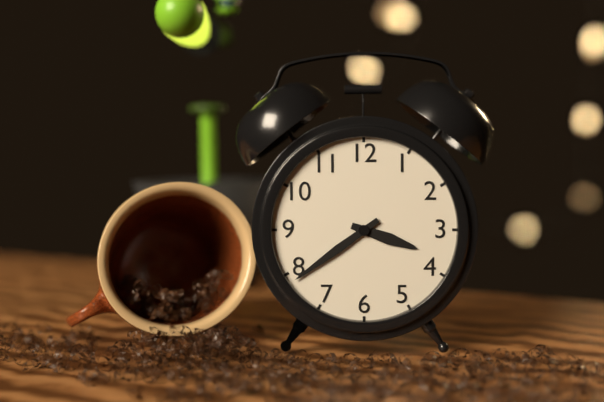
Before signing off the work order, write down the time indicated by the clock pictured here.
3:39
